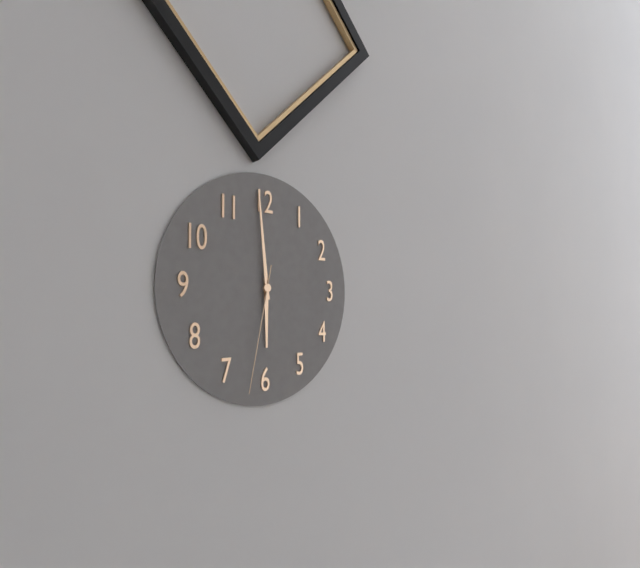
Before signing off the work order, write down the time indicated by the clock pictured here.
5:59:32
